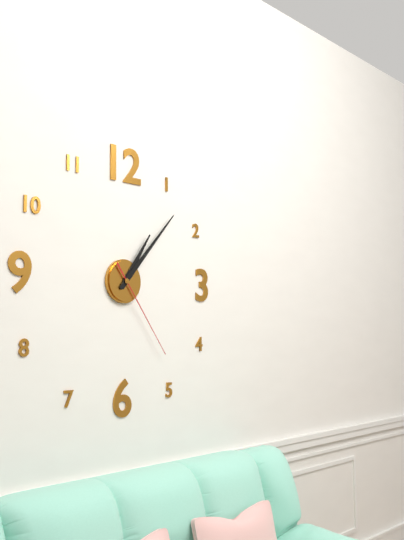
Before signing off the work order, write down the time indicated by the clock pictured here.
1:07:24
